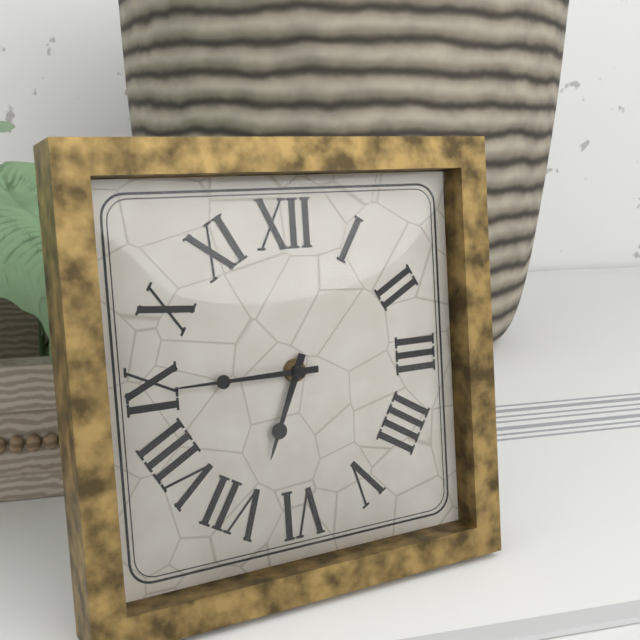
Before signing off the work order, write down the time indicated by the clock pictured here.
6:45
